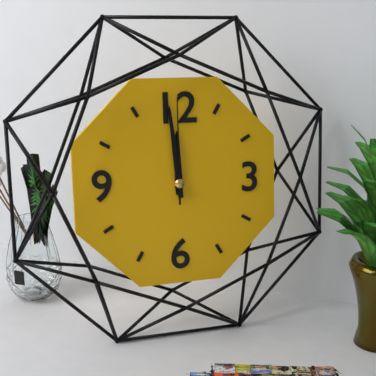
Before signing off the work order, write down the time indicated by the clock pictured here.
11:59:00
